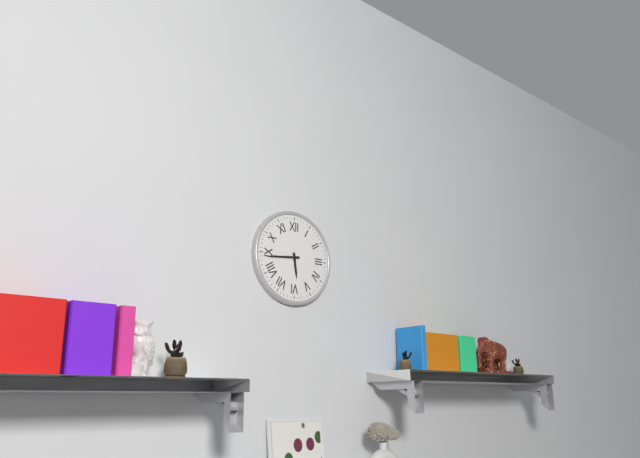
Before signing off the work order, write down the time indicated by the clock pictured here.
5:44
